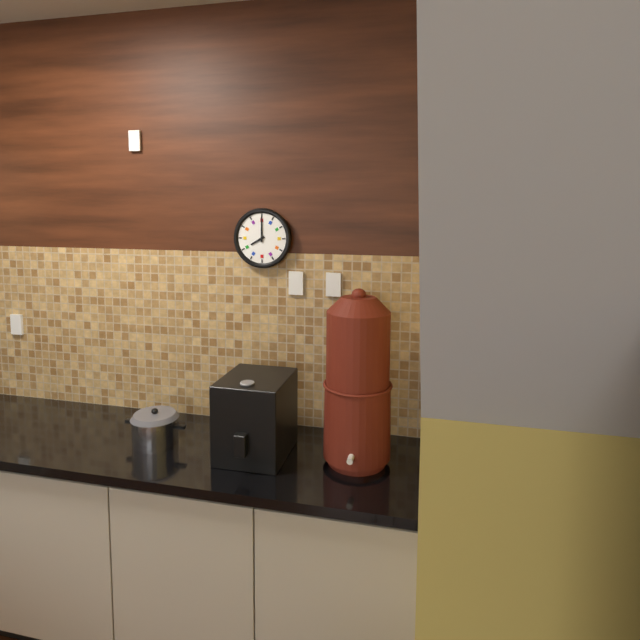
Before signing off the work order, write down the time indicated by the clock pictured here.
8:00
